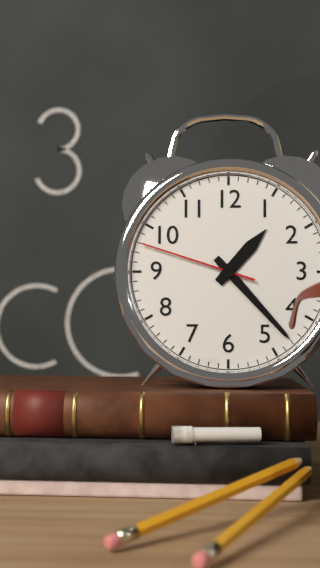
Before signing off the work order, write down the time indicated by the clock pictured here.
1:23:48
